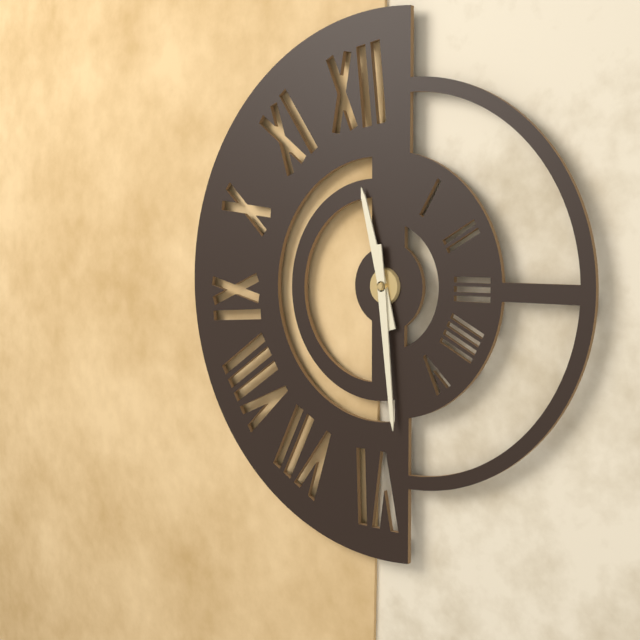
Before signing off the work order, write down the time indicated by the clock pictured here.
11:29
